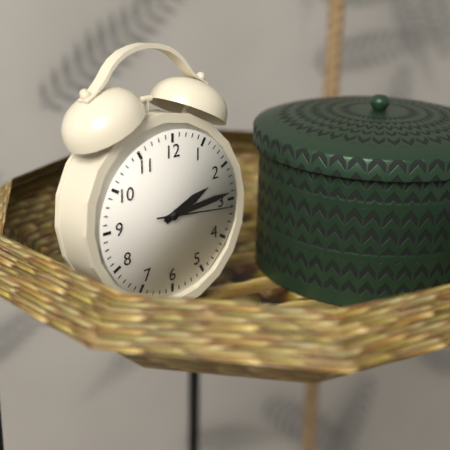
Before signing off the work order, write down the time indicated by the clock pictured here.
2:14:16
